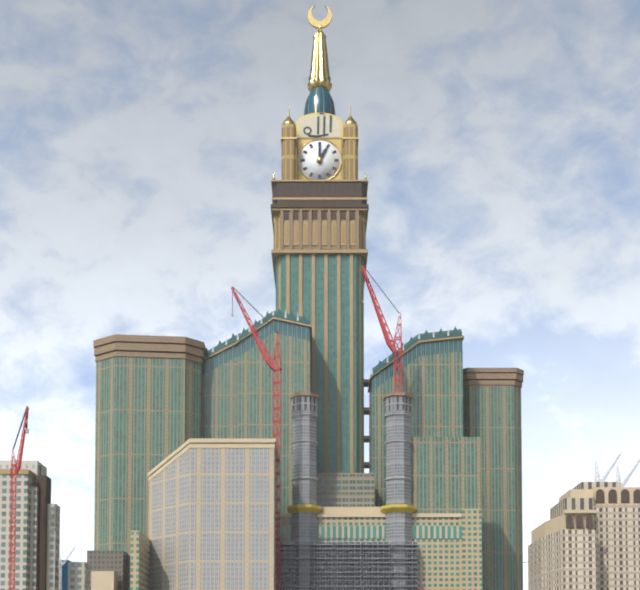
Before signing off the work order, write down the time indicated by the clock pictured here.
1:00
